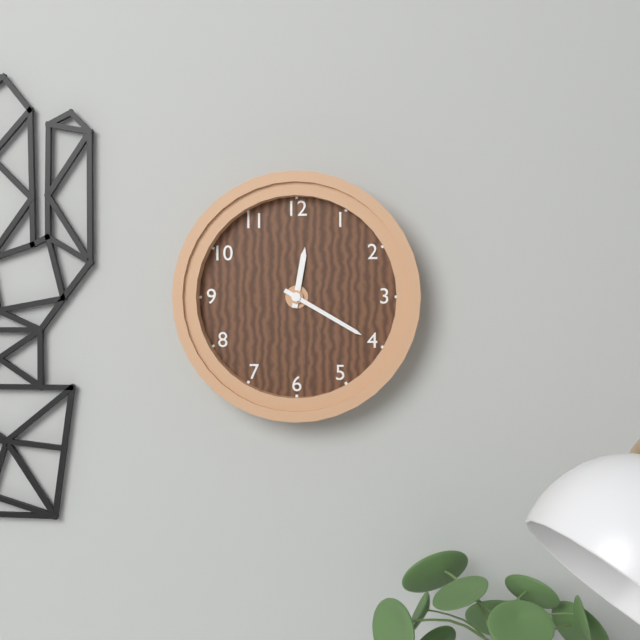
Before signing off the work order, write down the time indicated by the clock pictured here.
12:20
